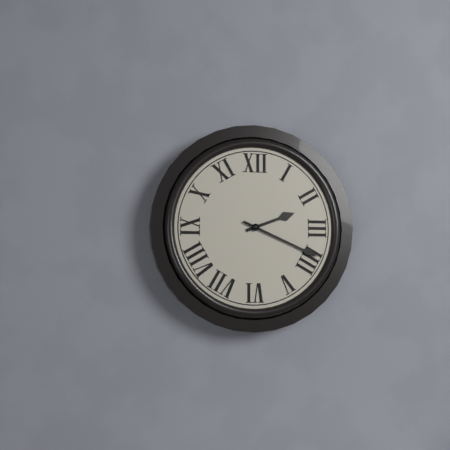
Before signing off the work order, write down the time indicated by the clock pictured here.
2:19
